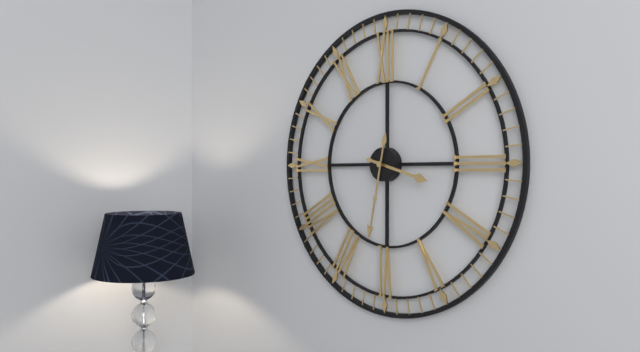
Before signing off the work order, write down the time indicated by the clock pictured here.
3:32
